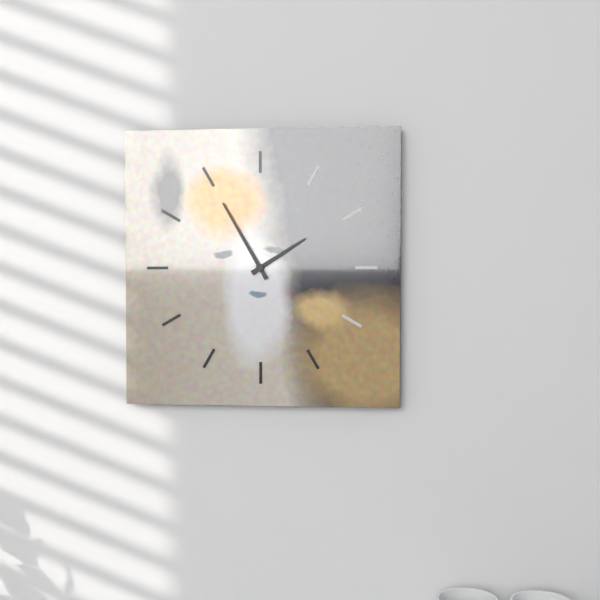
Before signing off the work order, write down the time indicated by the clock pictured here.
1:55
